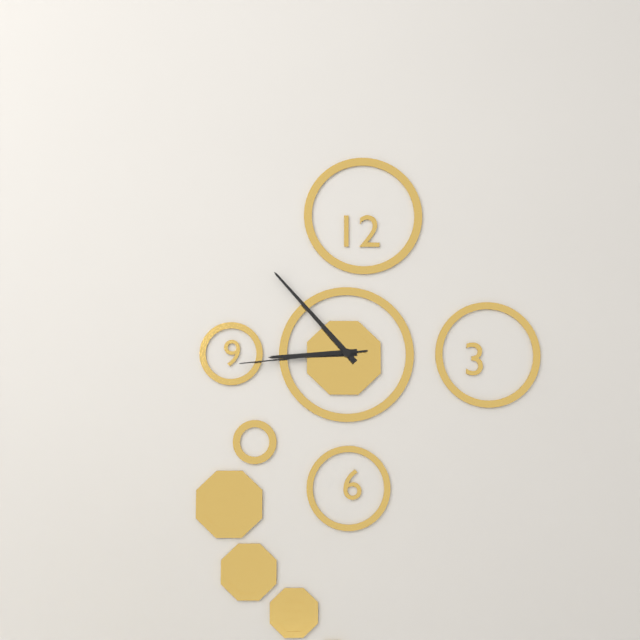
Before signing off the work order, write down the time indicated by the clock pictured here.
8:53:44
